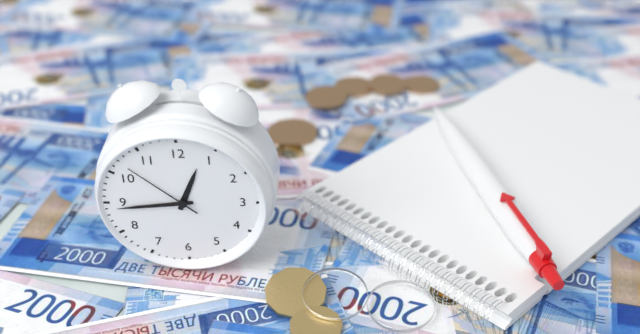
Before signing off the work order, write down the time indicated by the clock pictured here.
12:44:52
